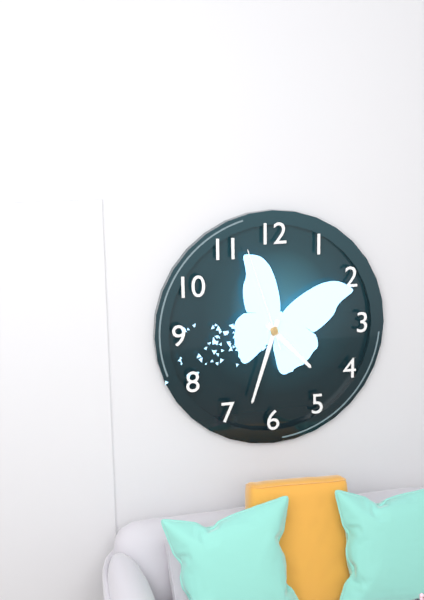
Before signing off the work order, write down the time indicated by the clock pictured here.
4:33:57
